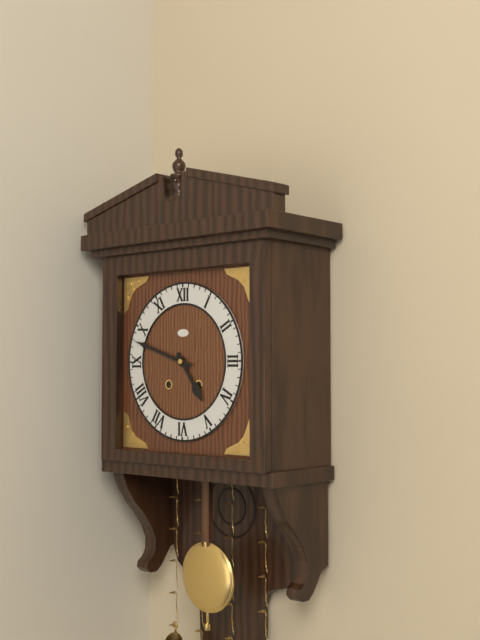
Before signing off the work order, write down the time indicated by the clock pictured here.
4:48
